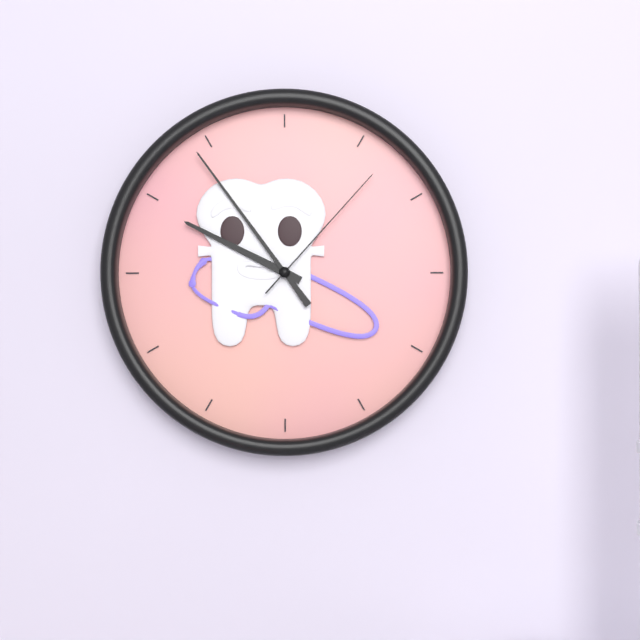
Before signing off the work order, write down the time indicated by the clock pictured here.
9:54:07
